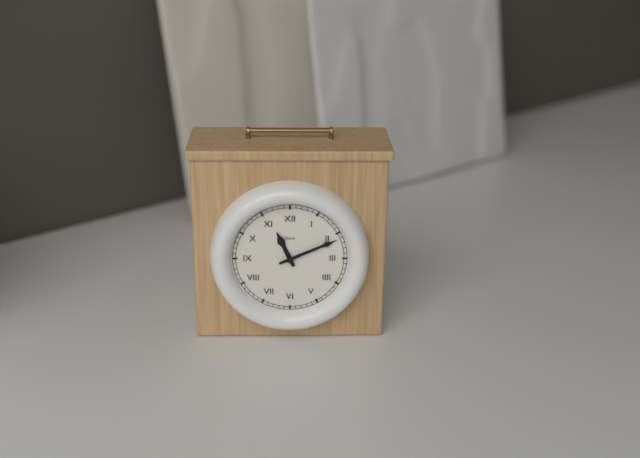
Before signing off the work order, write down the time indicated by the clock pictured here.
11:11
